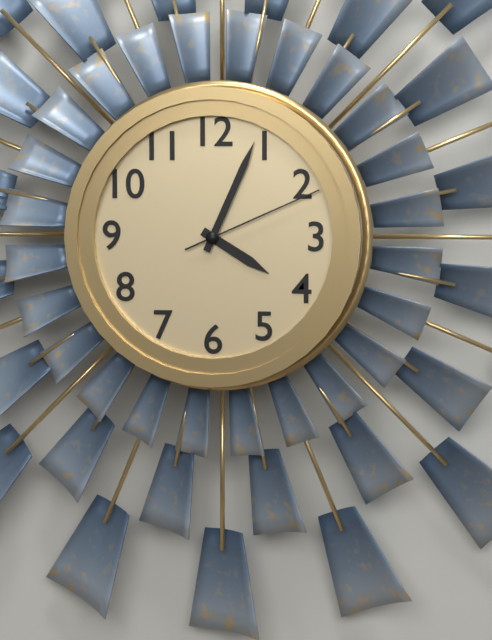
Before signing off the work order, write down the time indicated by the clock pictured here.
4:04:11
